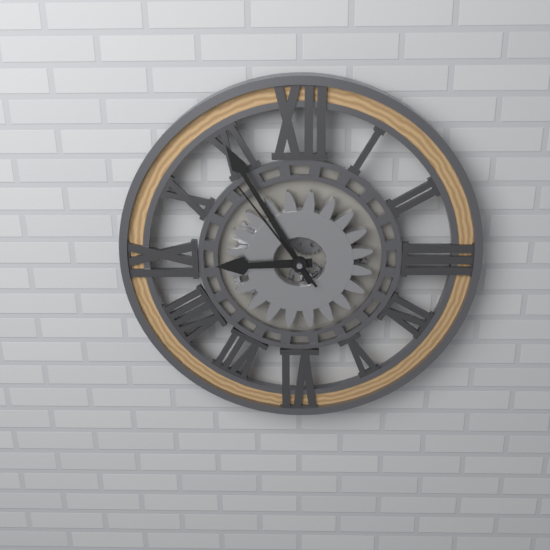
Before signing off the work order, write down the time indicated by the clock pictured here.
8:55:54
